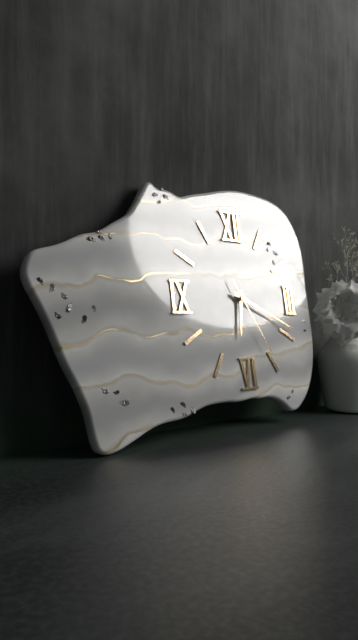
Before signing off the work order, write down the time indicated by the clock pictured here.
6:19:25
